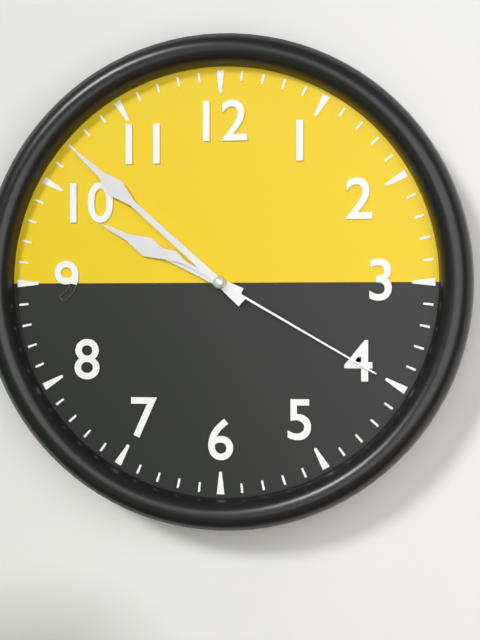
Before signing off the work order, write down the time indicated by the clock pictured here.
9:52:20
